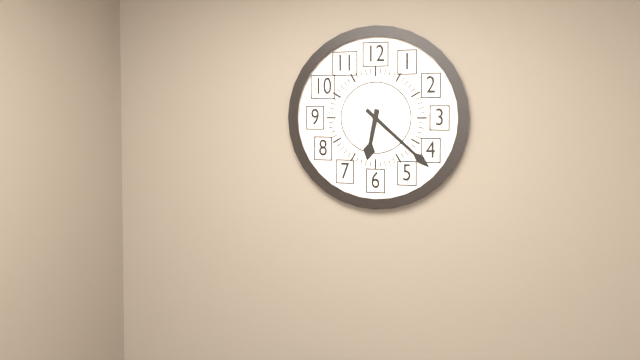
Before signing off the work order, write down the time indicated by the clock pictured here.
6:22
